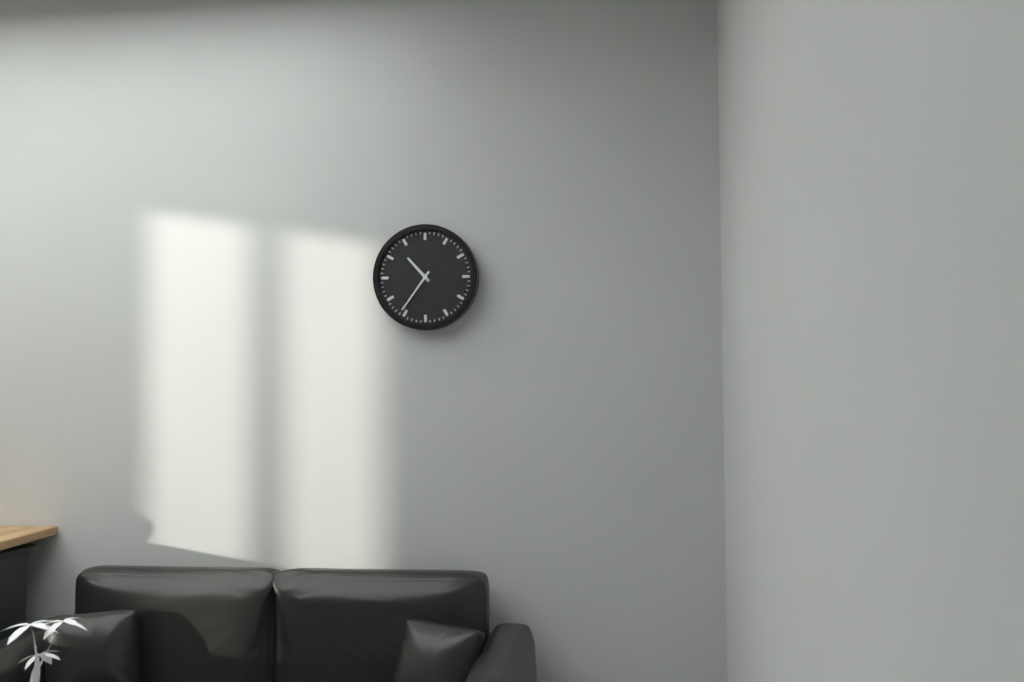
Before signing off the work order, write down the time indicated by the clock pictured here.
10:36
